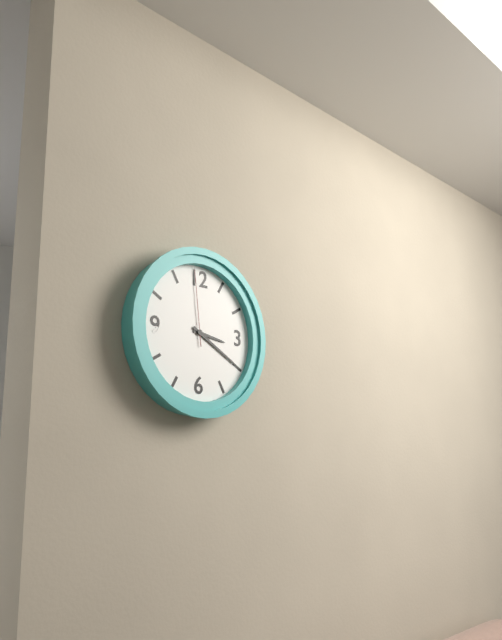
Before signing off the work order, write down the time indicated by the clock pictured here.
3:20:59
